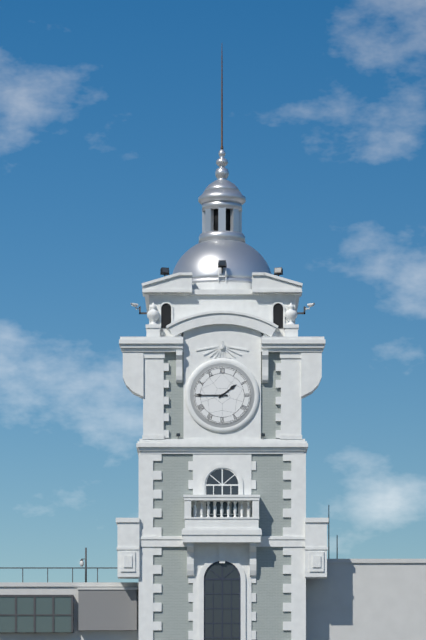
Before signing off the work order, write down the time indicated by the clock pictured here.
1:45
